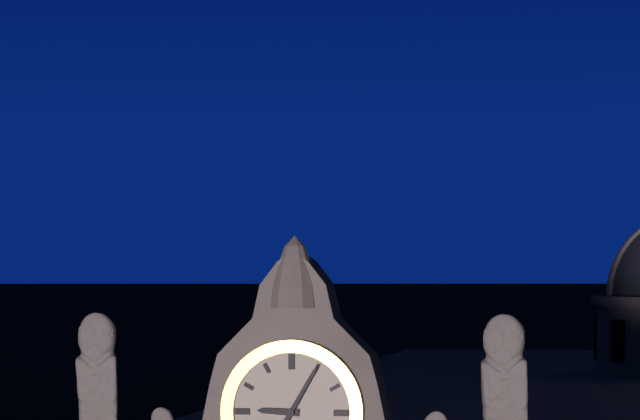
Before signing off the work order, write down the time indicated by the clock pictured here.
9:05
